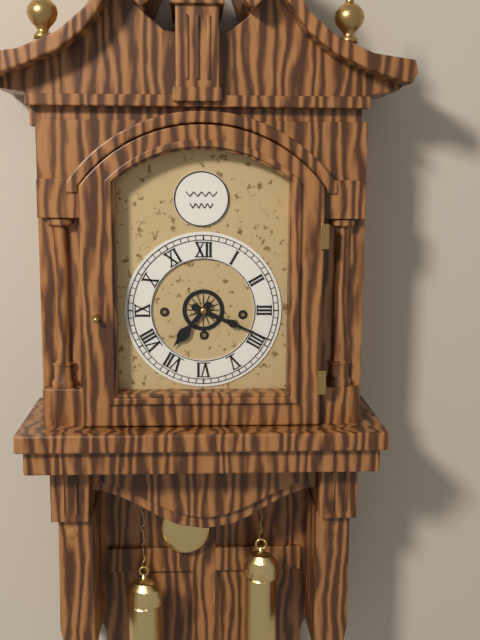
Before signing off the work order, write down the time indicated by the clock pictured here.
7:19
